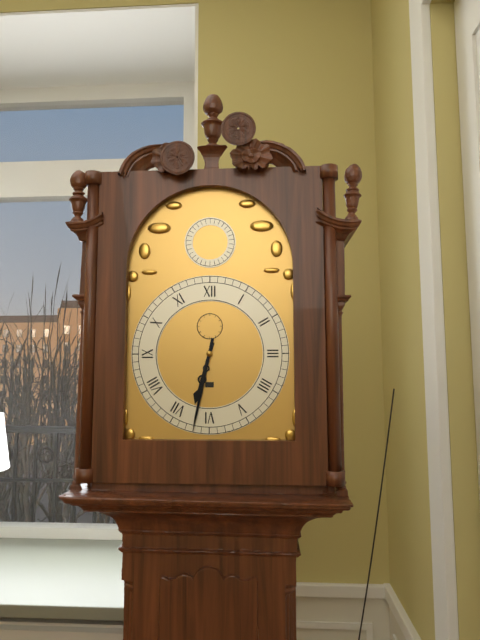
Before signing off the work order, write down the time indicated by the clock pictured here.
6:32
